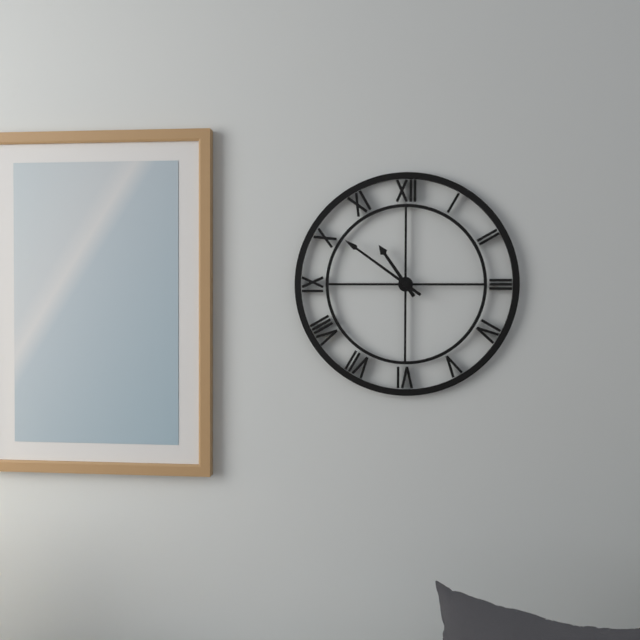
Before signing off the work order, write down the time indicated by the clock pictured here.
10:51
